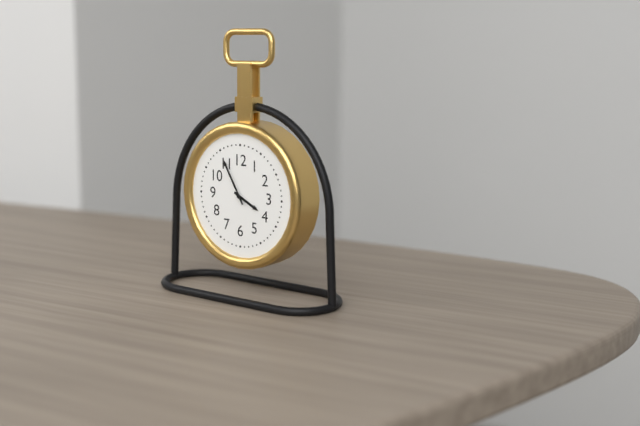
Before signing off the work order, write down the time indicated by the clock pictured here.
3:55
